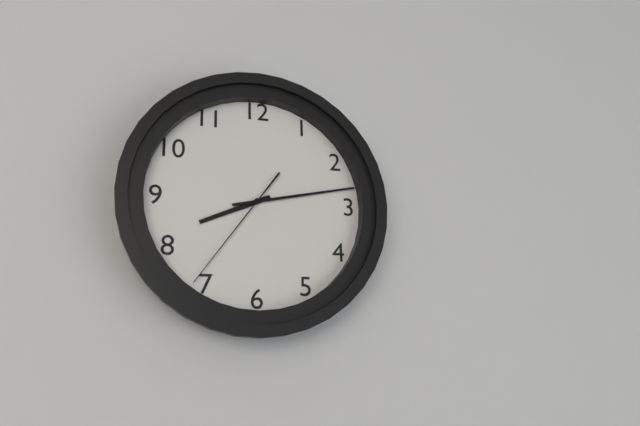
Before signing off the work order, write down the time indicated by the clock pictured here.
8:13:36
